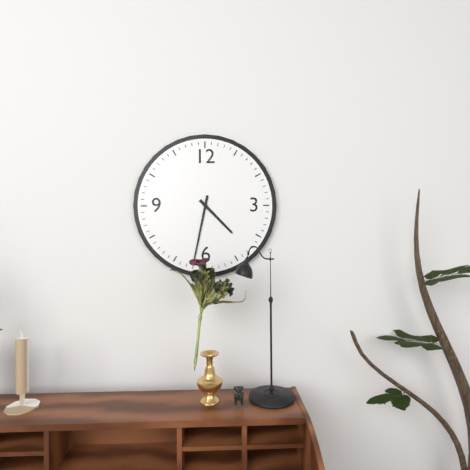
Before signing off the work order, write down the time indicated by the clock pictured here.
4:32
